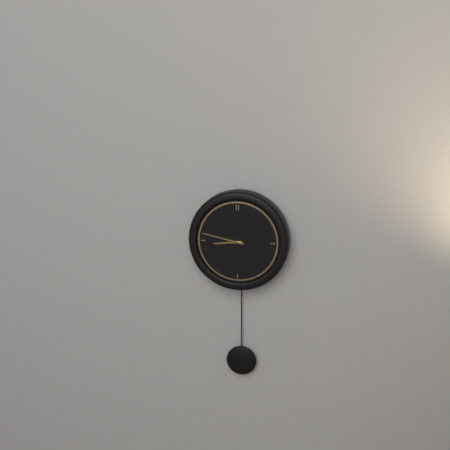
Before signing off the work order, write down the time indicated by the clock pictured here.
8:47
